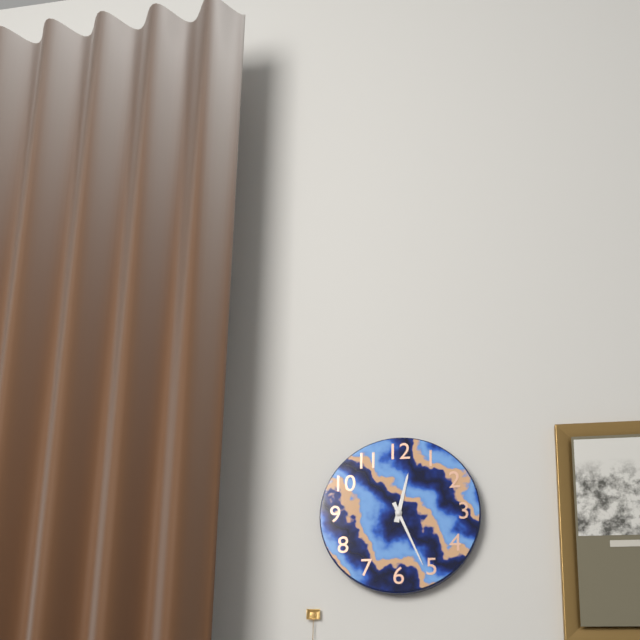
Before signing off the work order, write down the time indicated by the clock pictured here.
12:26
